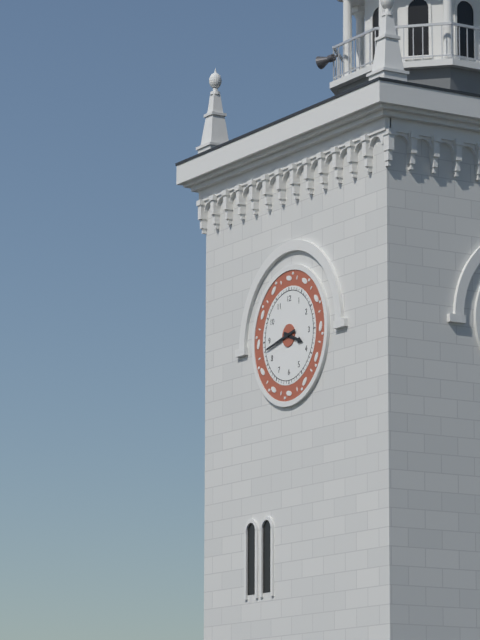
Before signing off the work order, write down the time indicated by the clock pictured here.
3:43
